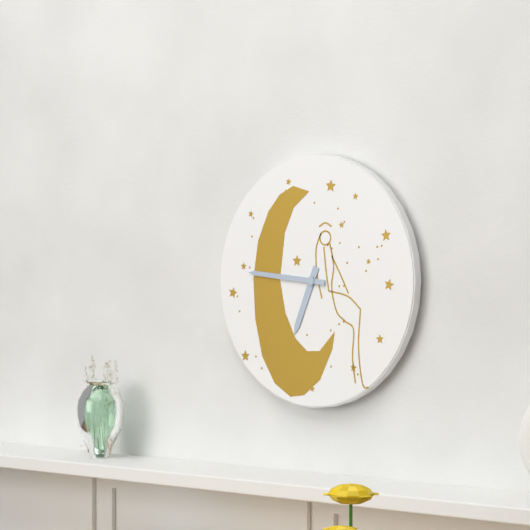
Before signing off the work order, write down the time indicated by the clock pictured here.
6:46
